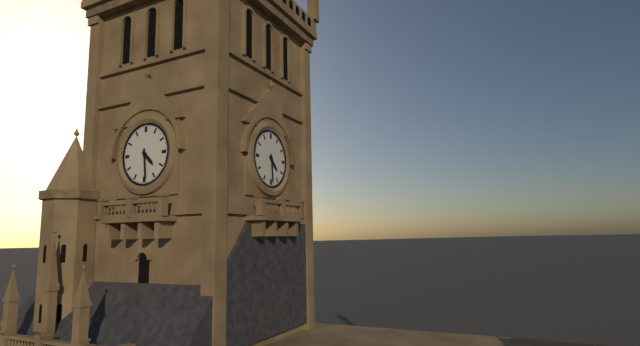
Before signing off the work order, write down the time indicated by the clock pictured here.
4:29
